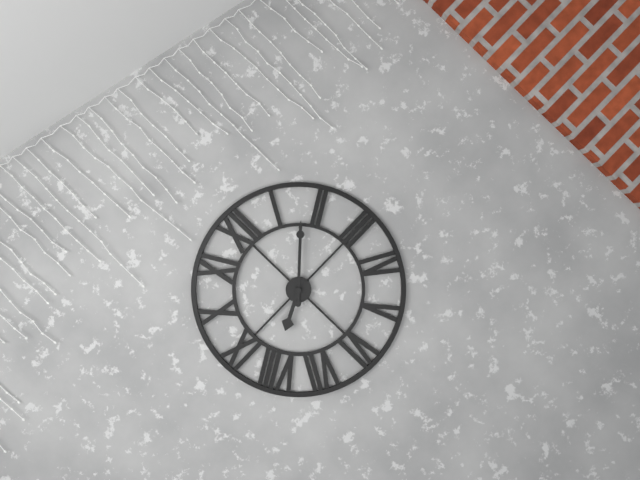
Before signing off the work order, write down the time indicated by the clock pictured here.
8:08
